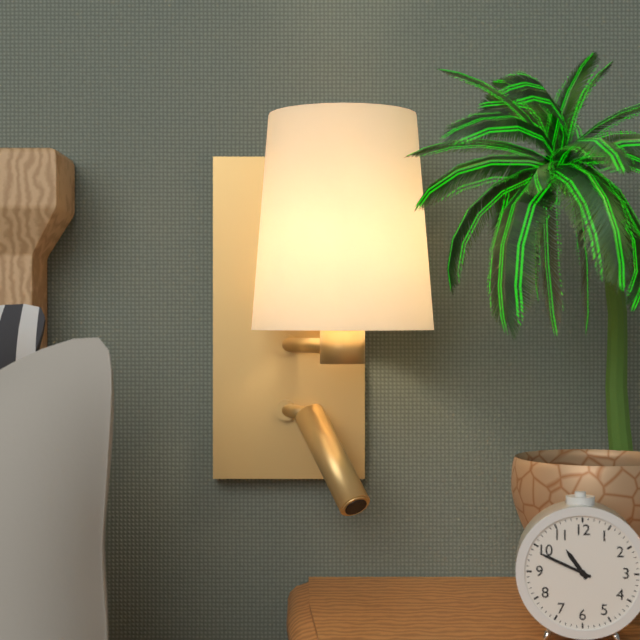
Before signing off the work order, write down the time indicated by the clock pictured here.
10:49
